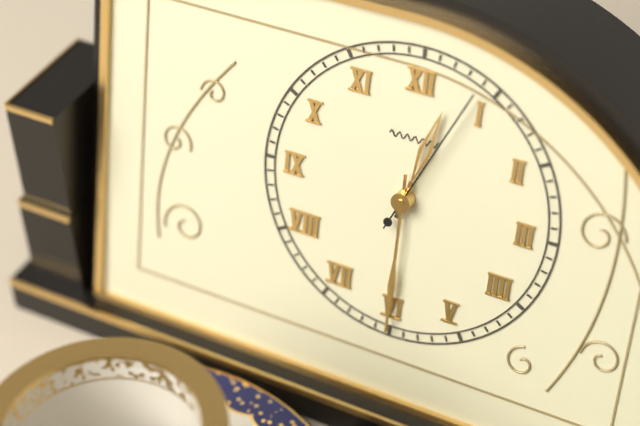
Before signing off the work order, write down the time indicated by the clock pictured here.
12:30:04
